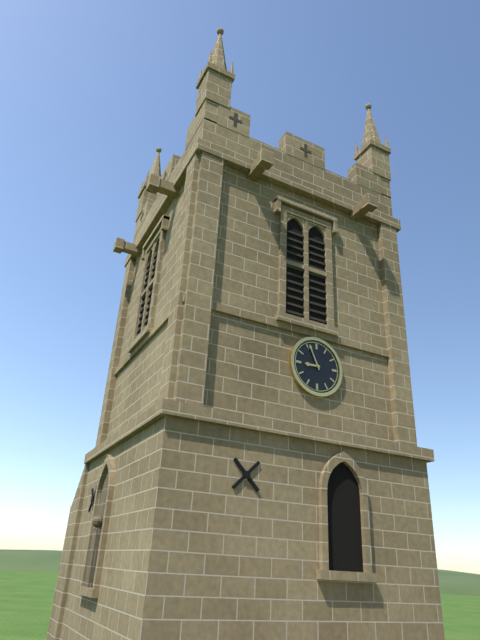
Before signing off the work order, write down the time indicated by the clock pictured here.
8:56
